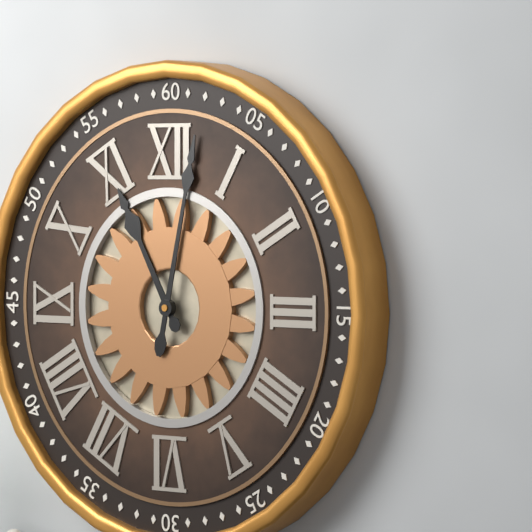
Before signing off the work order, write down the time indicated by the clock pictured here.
11:02
